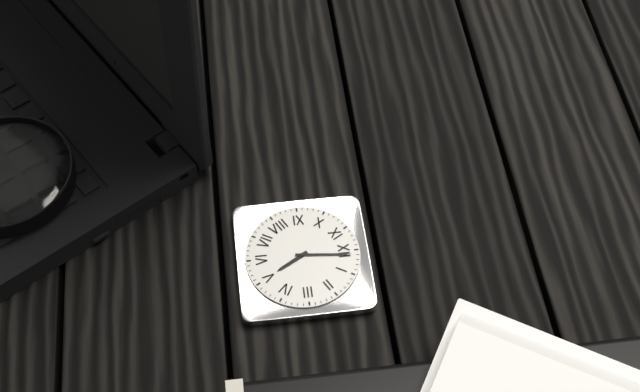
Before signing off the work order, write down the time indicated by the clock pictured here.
5:01
